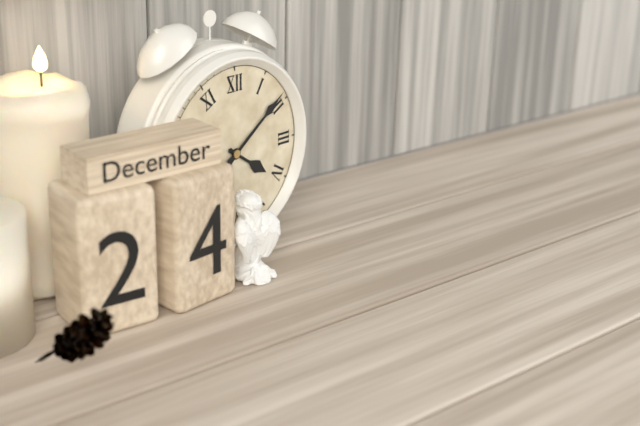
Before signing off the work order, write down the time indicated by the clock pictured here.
4:09
